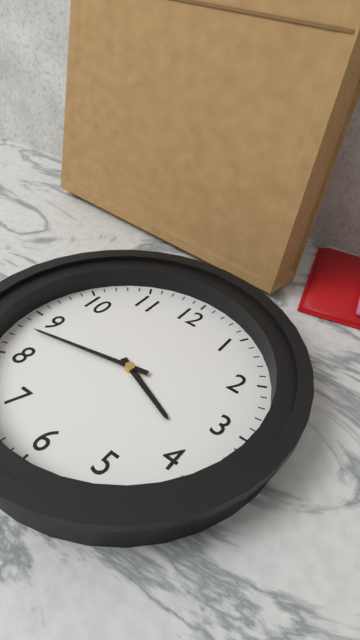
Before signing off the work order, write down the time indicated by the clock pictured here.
3:43
